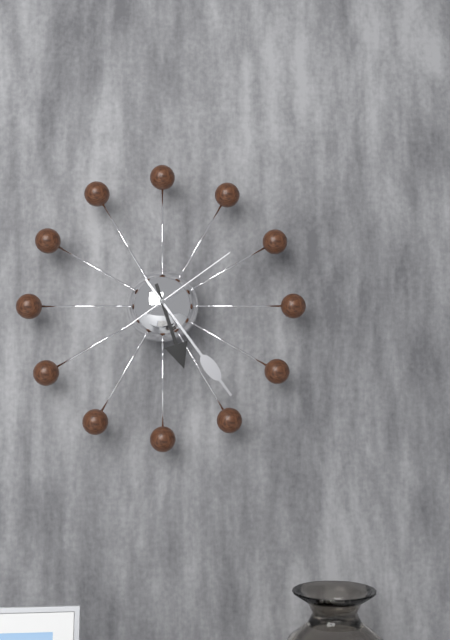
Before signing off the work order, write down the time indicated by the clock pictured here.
5:24:09
